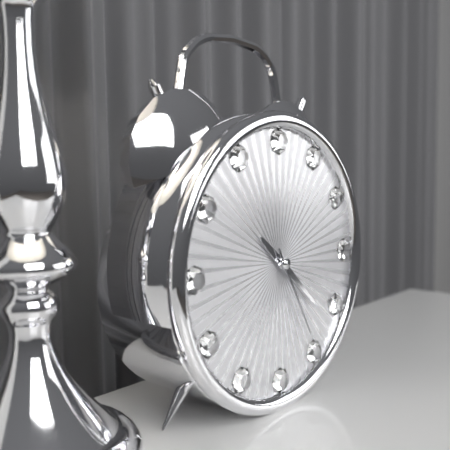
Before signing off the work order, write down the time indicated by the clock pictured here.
10:22:25
